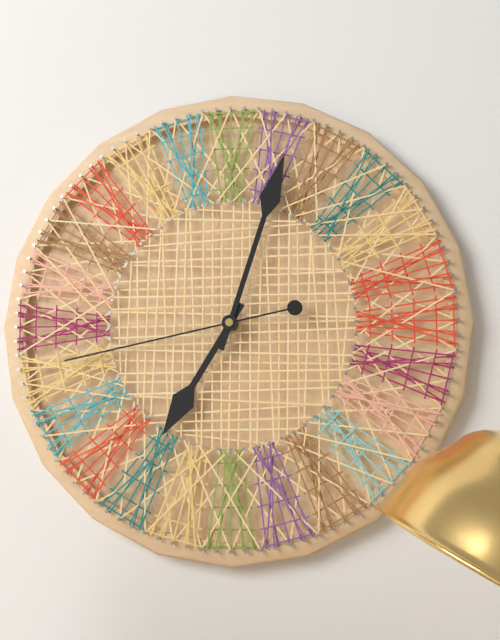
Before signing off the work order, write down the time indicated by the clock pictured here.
7:03:43
